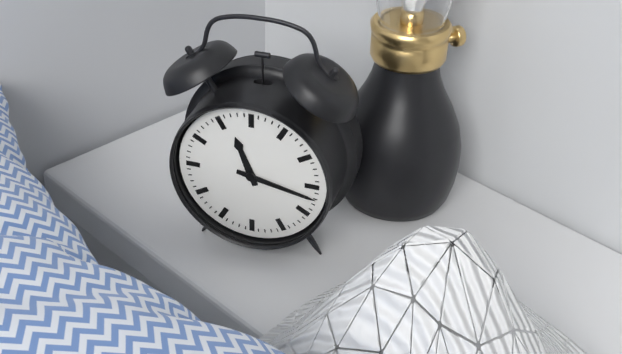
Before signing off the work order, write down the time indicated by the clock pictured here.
11:17
